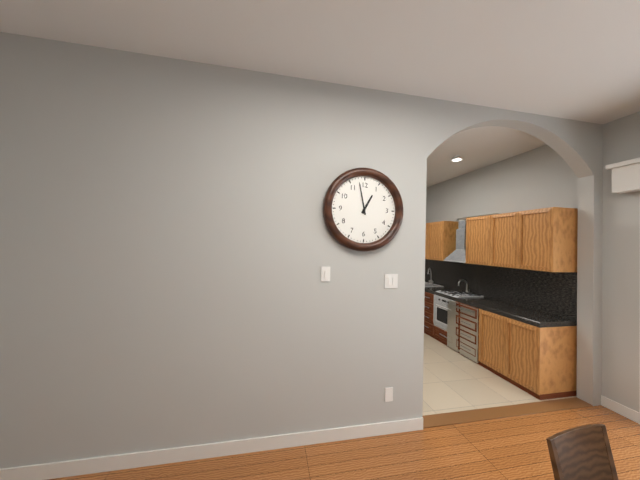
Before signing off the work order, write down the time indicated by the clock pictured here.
12:58
